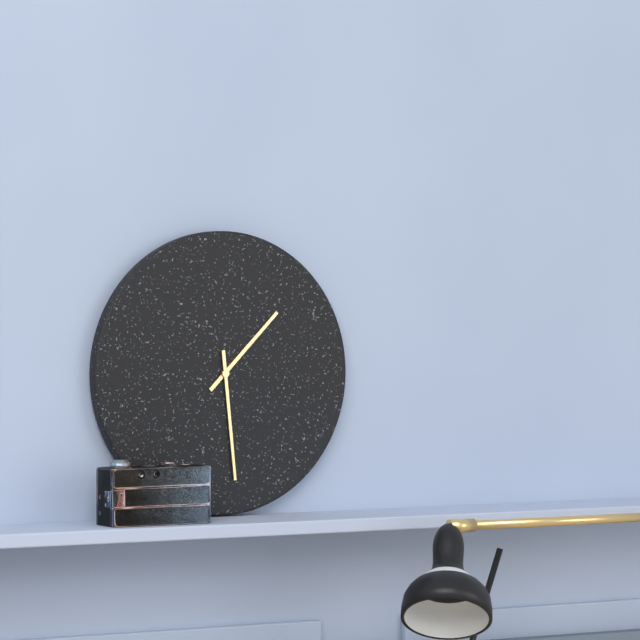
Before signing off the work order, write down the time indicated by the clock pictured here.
1:29
